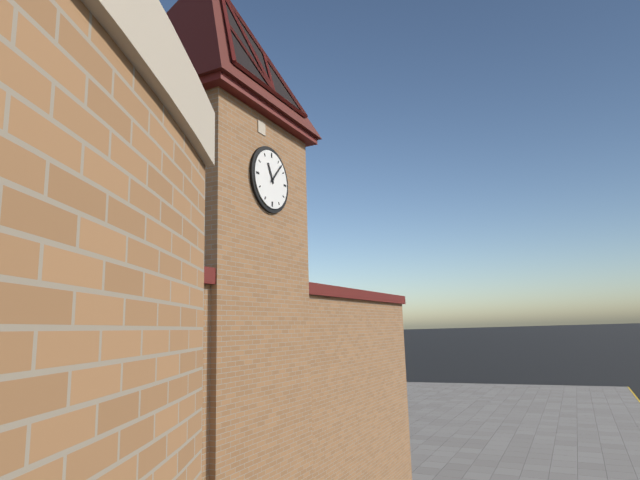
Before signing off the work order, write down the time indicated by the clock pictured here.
11:07
